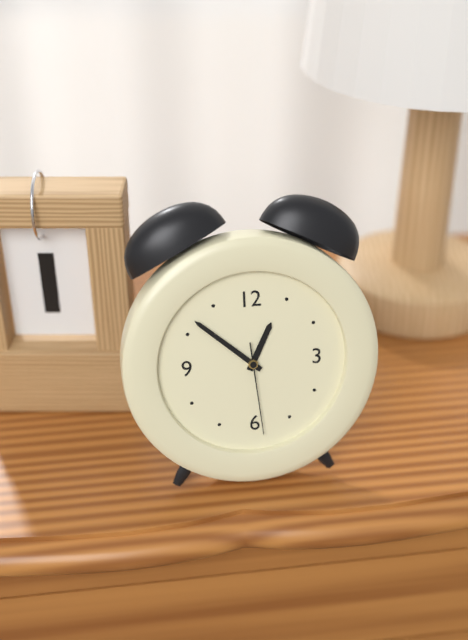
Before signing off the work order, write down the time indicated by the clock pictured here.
12:52:29
